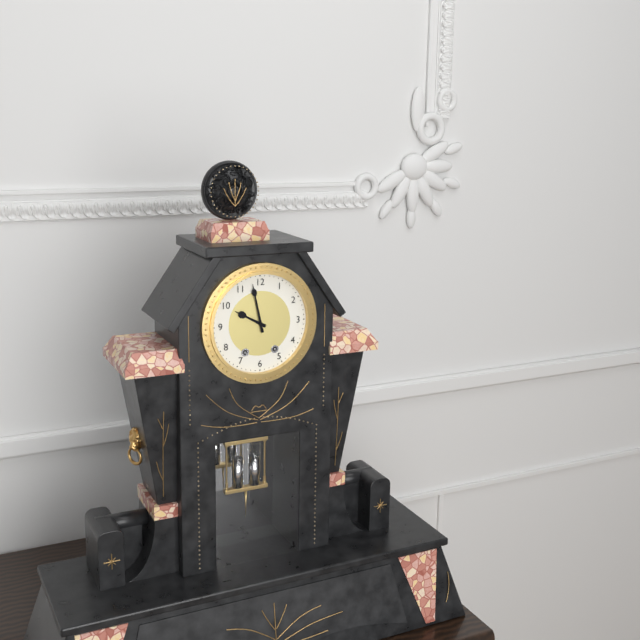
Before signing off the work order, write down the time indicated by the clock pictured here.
9:58
